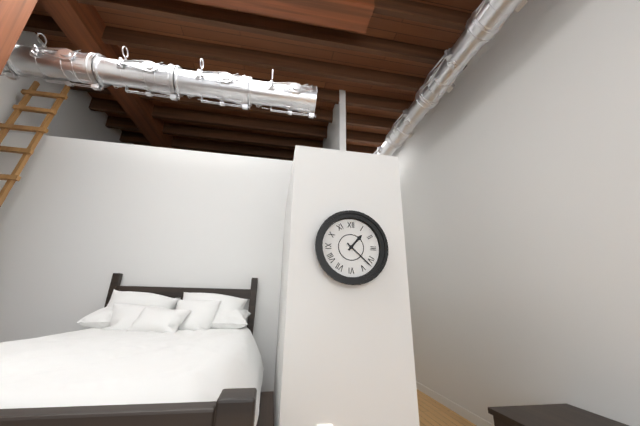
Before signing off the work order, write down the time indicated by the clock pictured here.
1:22
